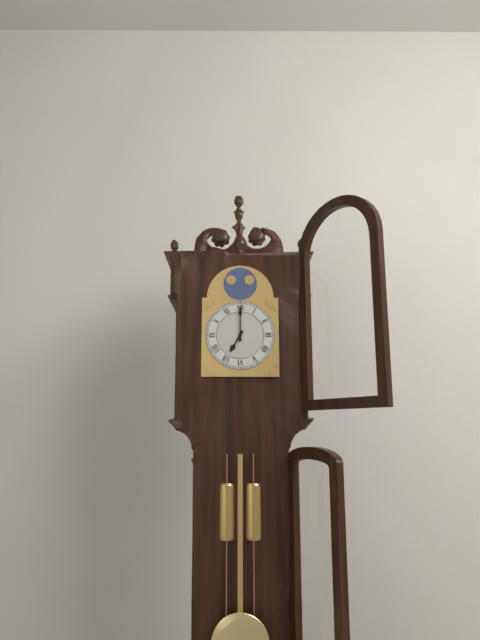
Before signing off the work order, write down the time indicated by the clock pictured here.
7:00
